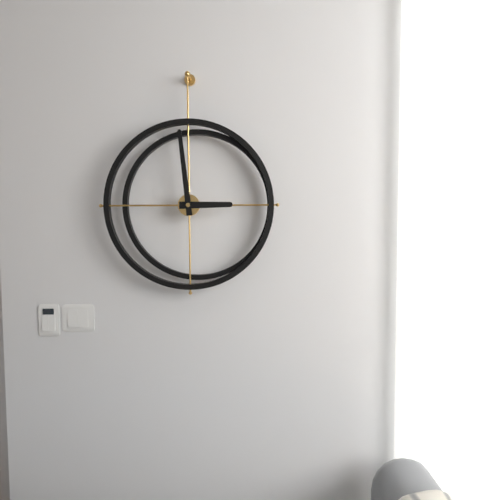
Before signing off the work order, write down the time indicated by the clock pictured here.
2:59
